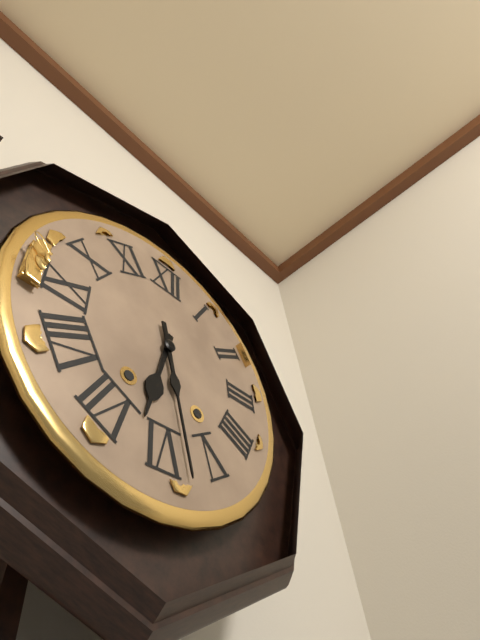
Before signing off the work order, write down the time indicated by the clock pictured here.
6:28
